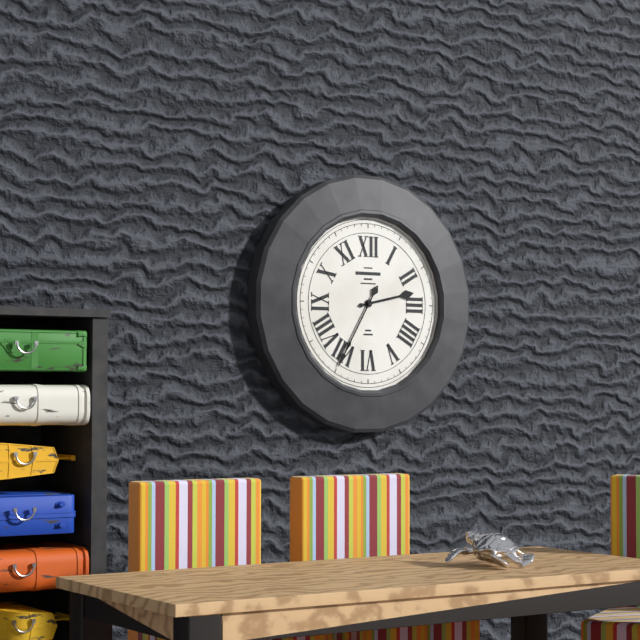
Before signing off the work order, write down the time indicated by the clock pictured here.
2:35
